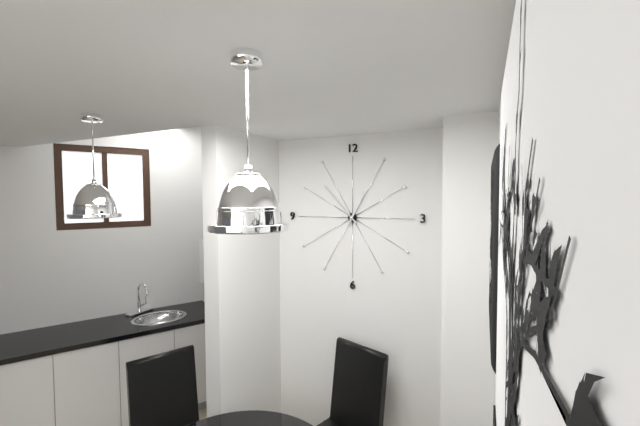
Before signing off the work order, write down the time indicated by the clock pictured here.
12:53
